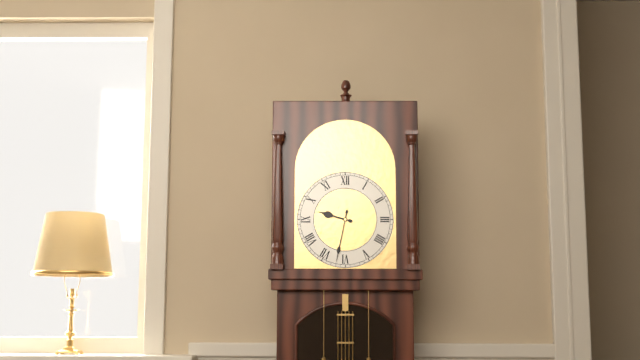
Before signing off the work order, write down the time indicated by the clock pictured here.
9:32
